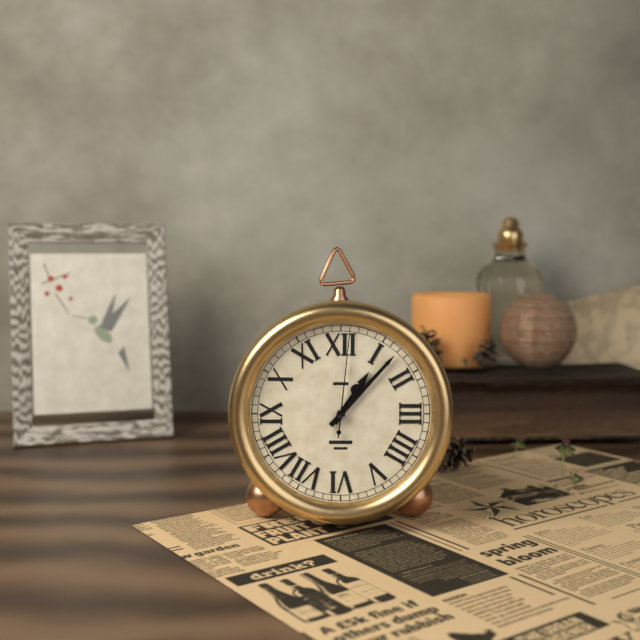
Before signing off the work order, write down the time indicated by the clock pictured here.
1:07:01
